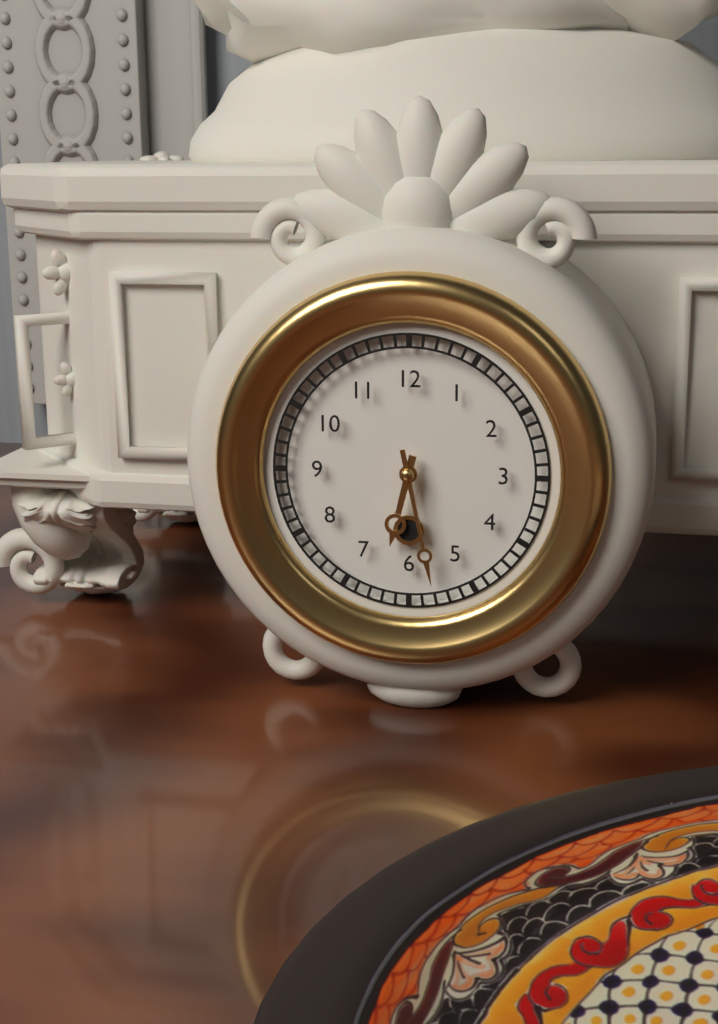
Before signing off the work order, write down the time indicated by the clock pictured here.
6:28
